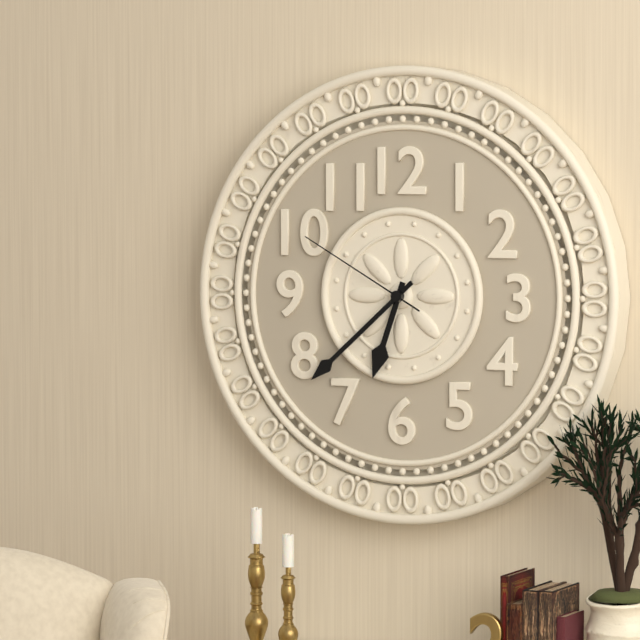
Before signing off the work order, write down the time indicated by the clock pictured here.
6:38:50
